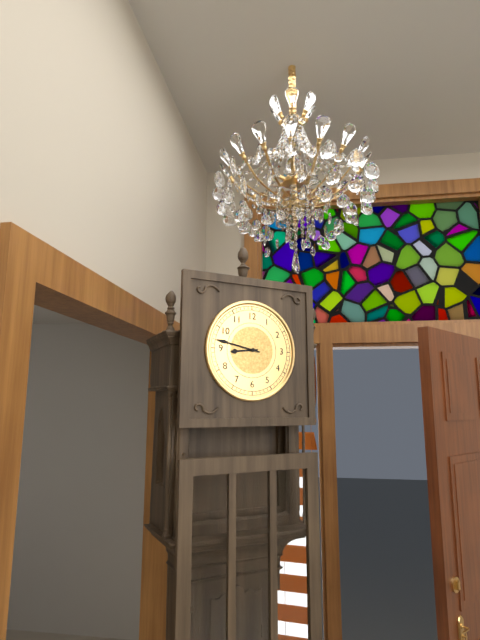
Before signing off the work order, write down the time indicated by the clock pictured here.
8:47
